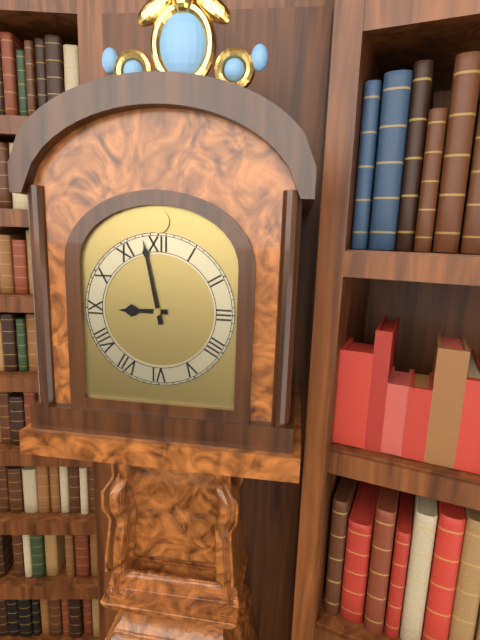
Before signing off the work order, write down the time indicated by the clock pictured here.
8:58
